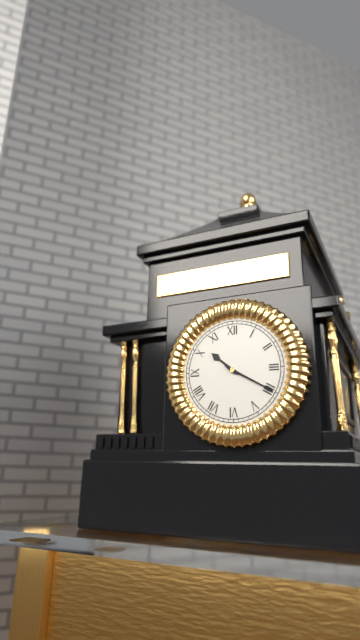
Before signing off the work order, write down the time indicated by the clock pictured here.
10:20
